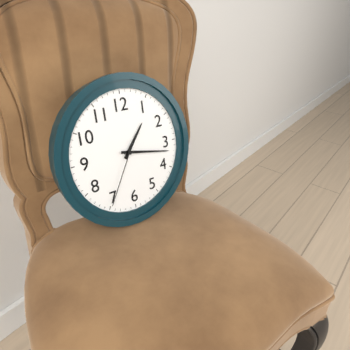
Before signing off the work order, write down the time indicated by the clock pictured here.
1:17:35
